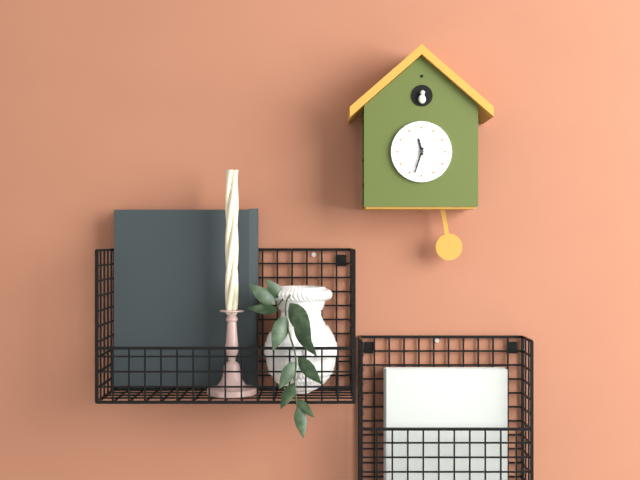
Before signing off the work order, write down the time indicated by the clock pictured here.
11:33
